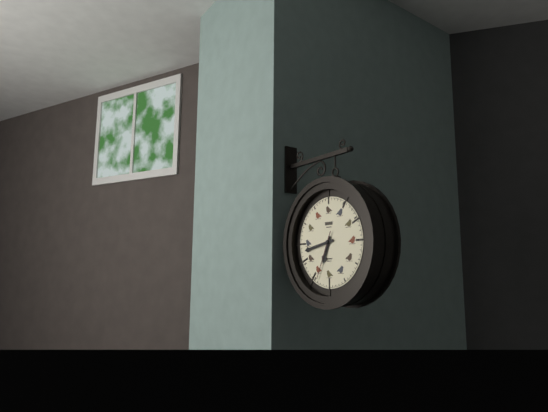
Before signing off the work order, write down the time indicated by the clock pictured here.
6:43
